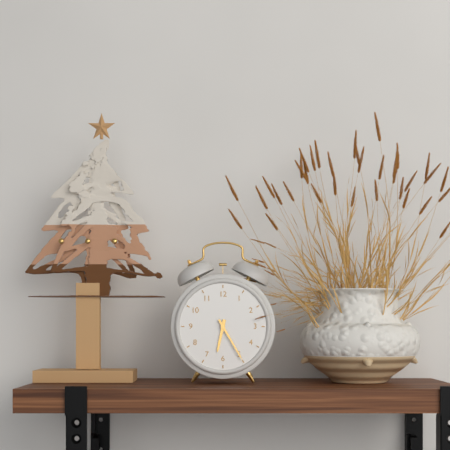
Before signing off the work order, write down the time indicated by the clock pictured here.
6:25
